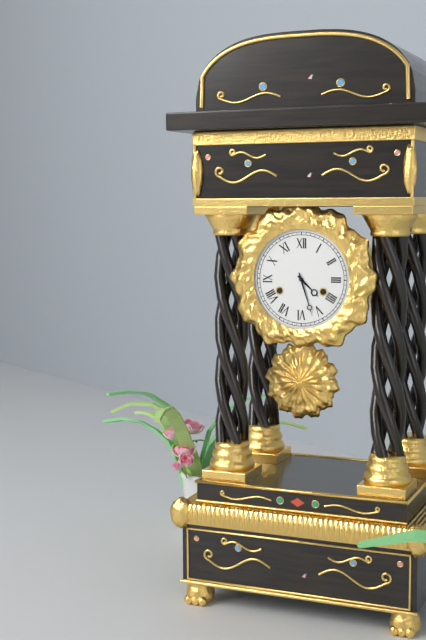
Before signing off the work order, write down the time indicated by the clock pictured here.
4:27
